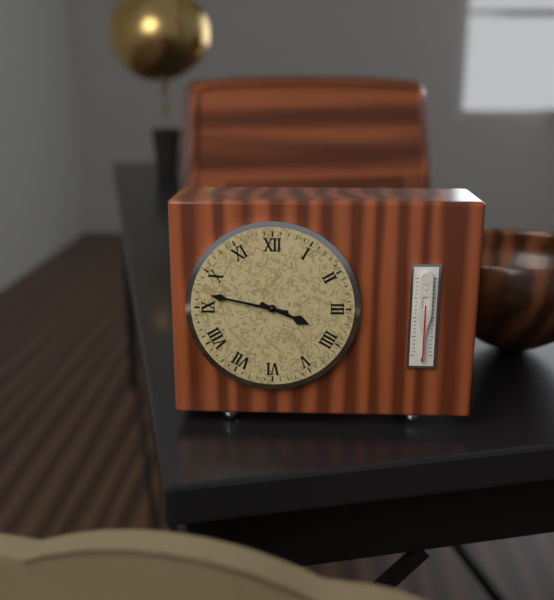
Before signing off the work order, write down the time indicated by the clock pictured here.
3:47
